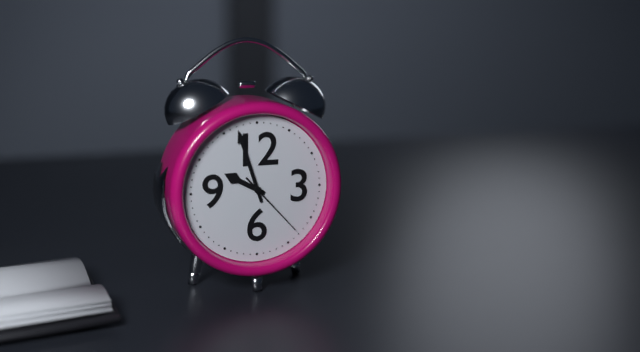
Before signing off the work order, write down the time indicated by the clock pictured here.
9:57:23
